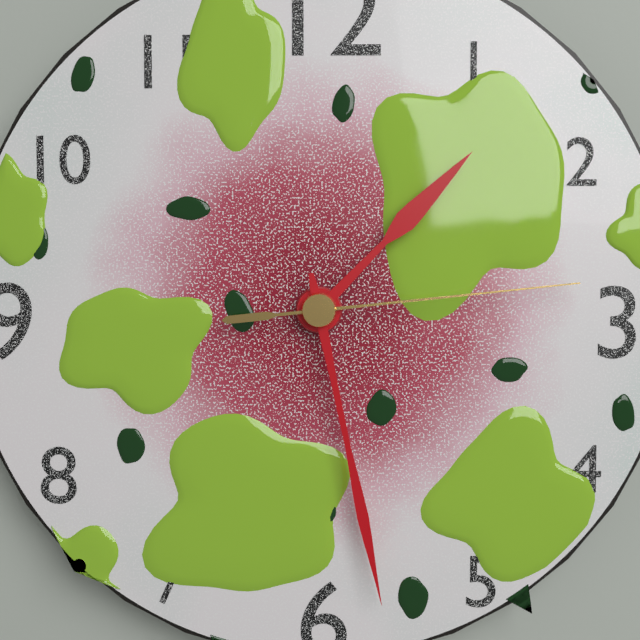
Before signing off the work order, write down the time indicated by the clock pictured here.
1:28:14
